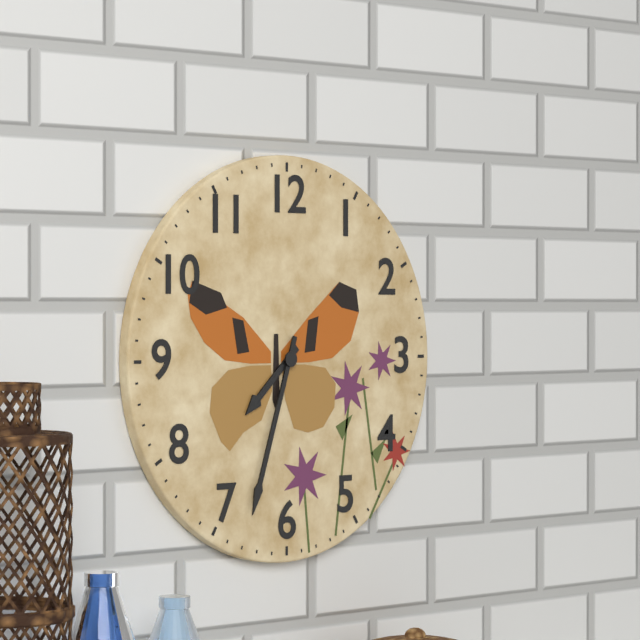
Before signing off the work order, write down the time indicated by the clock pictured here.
7:33
